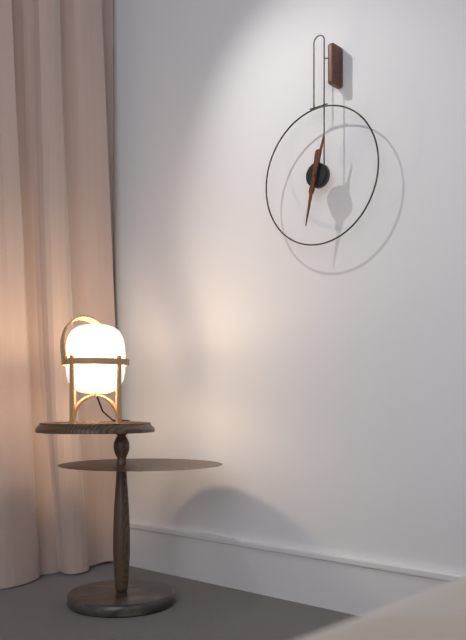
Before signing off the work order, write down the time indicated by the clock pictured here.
12:32
